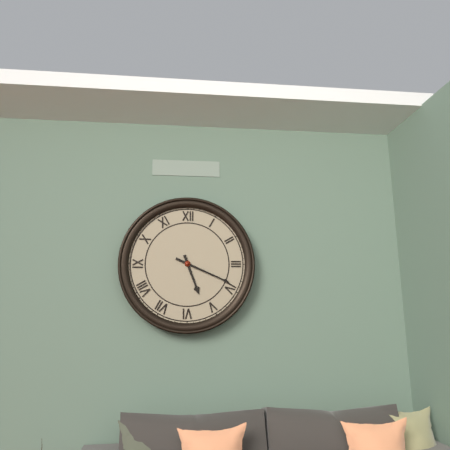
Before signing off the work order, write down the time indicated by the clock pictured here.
5:19
